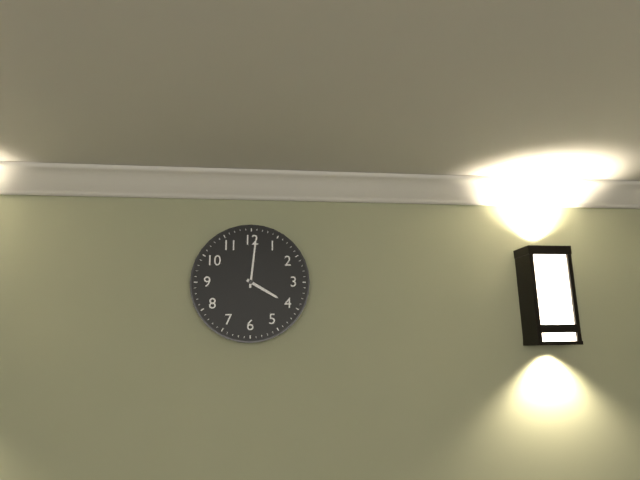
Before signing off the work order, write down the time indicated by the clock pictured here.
4:01
